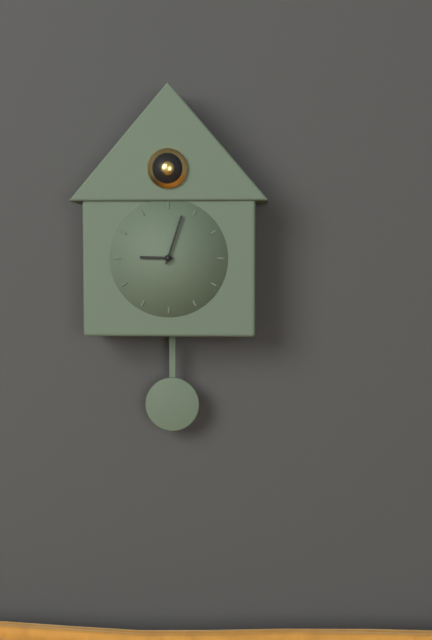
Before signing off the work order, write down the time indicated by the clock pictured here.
9:03
